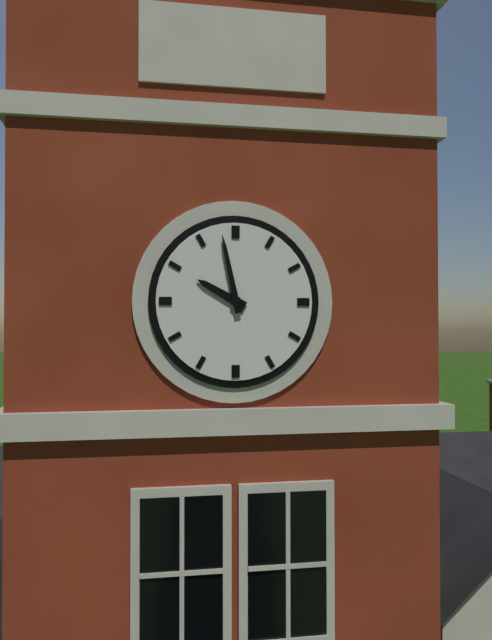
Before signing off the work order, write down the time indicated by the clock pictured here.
9:58
